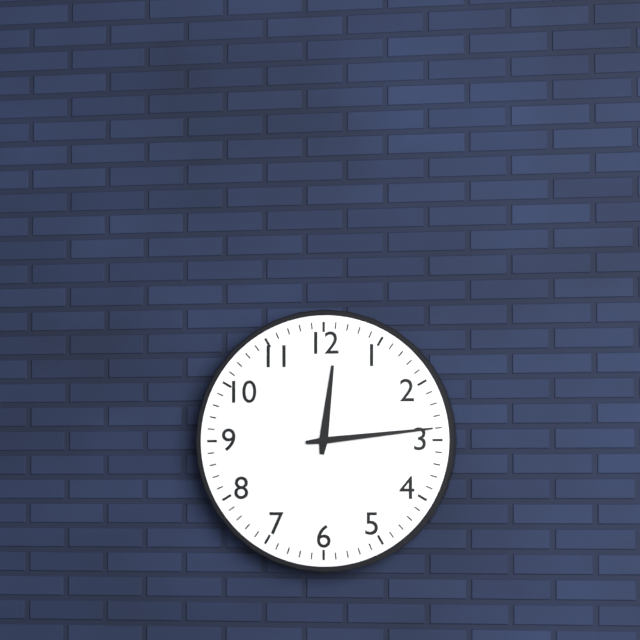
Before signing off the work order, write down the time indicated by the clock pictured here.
12:14
